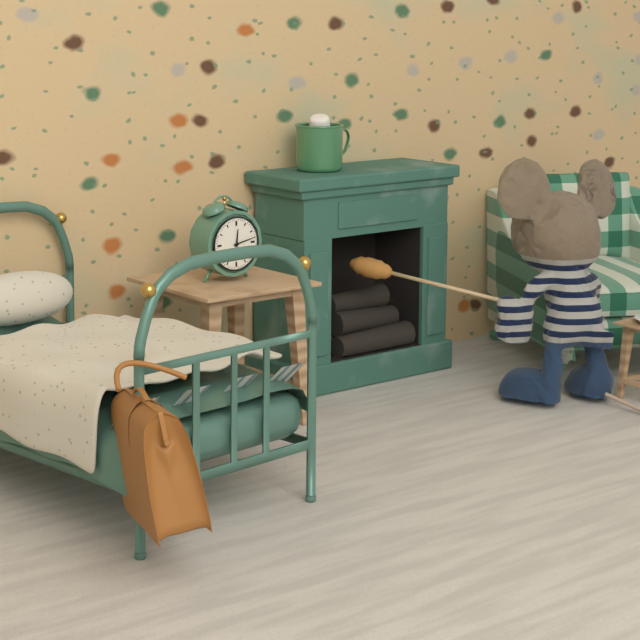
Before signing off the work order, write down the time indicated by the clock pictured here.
12:13
